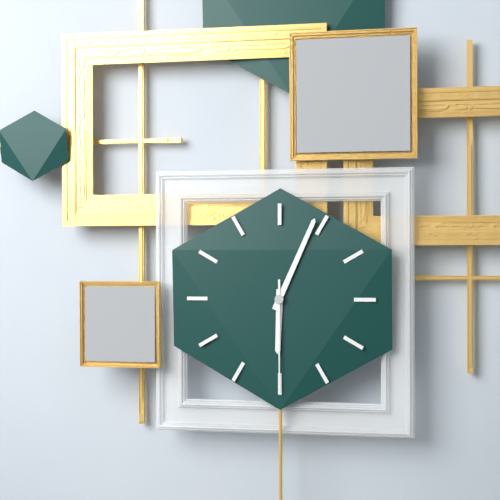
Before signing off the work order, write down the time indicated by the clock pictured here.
6:04:30
